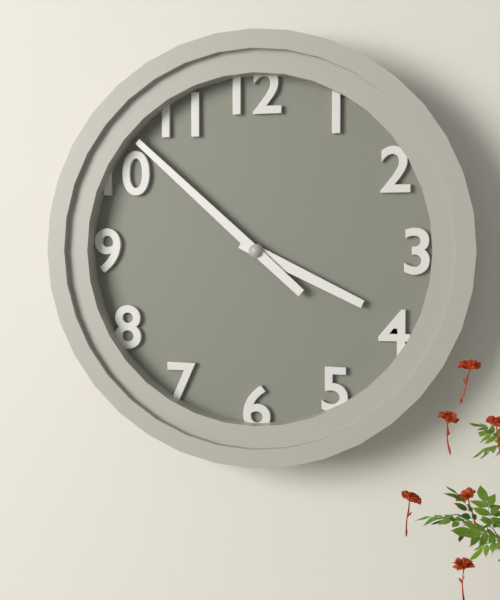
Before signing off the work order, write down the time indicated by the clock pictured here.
3:52
